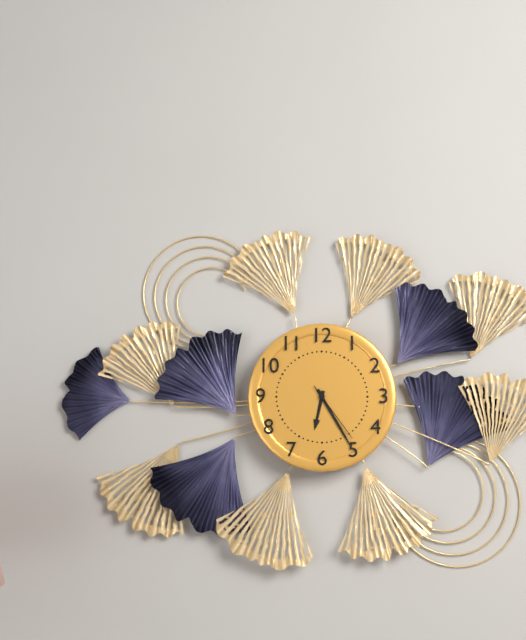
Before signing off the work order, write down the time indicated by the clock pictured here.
6:25:24
